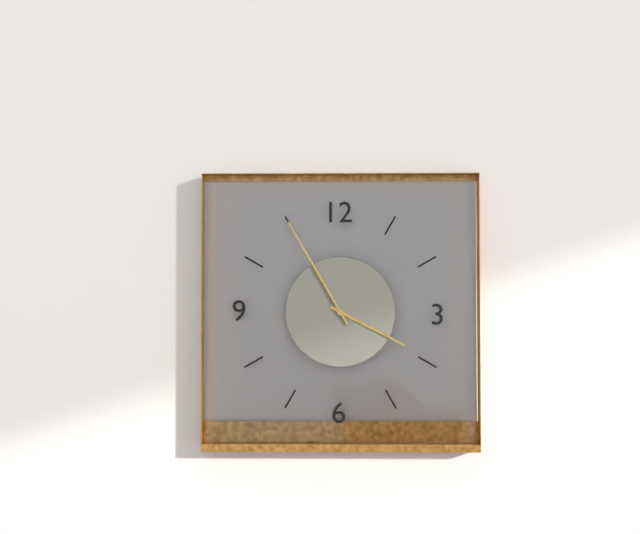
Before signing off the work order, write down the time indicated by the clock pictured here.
3:55
